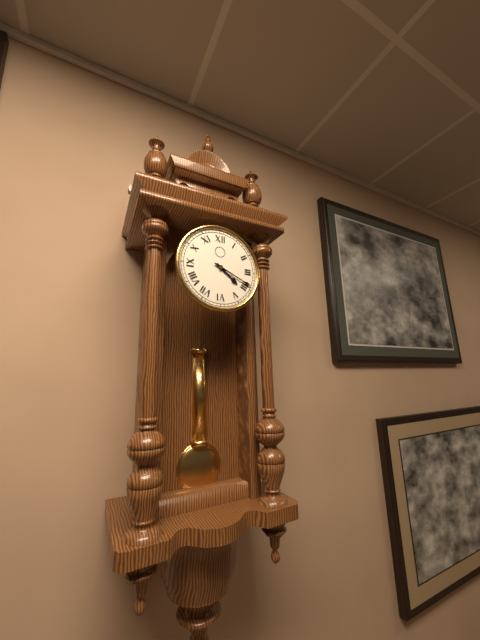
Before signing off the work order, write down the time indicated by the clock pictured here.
4:19
